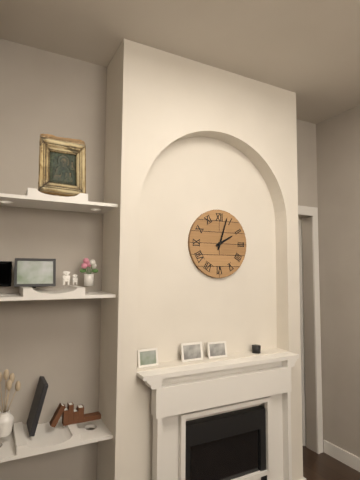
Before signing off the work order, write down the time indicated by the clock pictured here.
2:03
